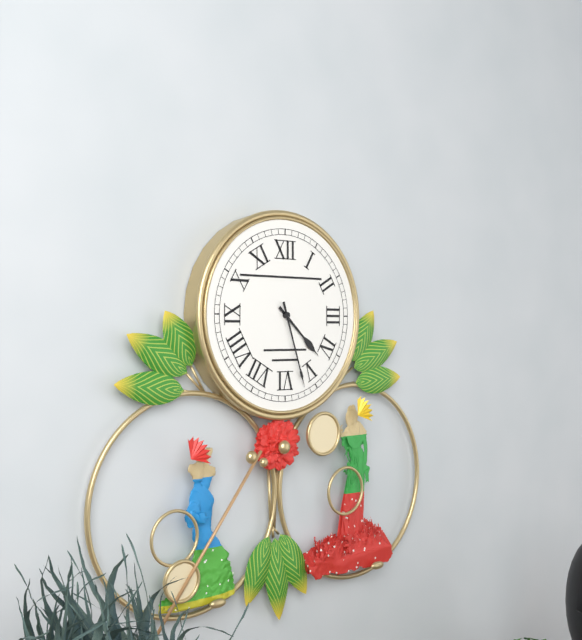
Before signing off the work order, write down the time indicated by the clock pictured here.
4:27
